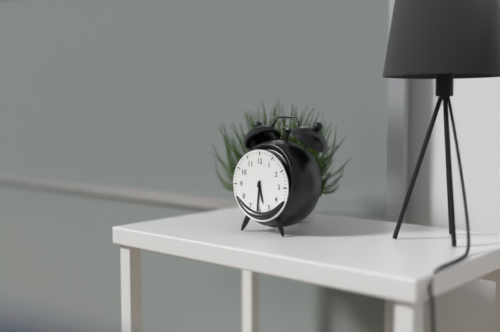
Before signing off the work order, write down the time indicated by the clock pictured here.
5:31
